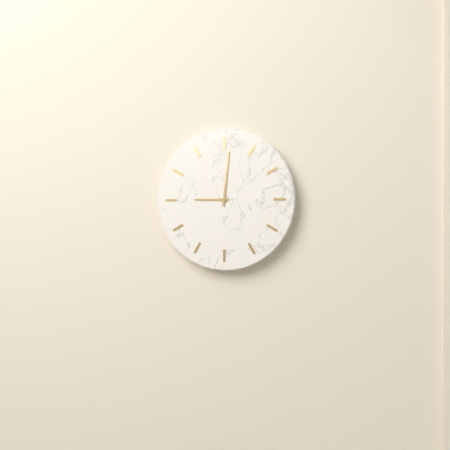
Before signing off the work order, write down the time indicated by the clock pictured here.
9:01
